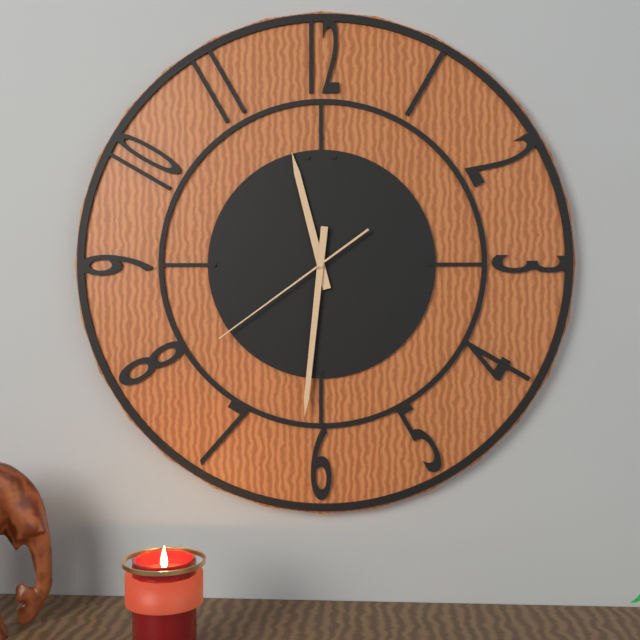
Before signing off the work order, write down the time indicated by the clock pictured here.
11:31:39
